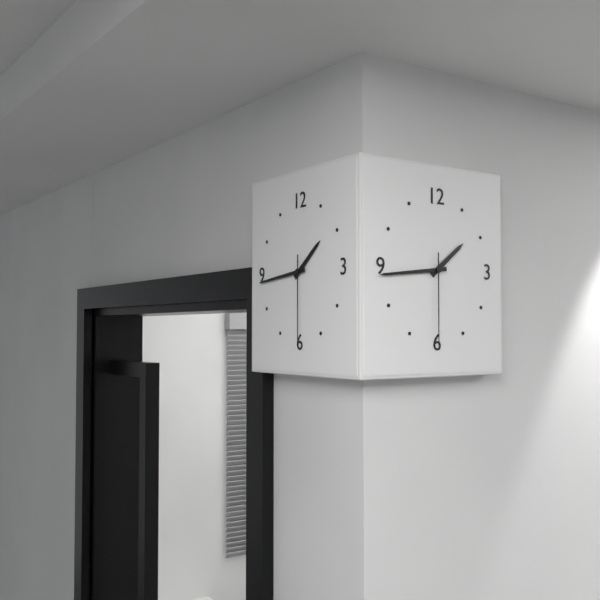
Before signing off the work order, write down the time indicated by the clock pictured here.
1:44:30
